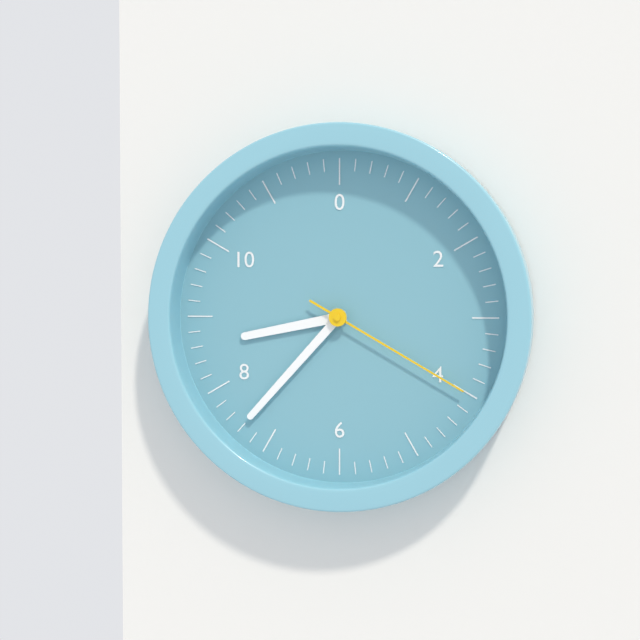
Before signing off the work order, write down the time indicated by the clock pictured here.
8:37:20
